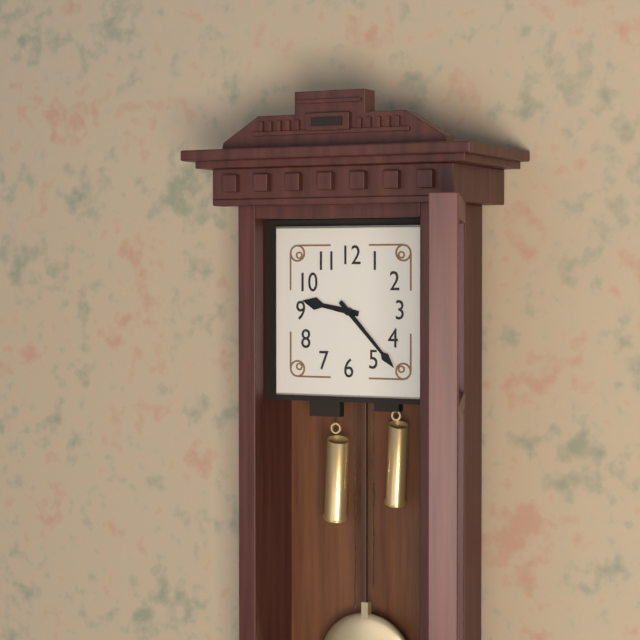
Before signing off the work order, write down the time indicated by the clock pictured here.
9:23
